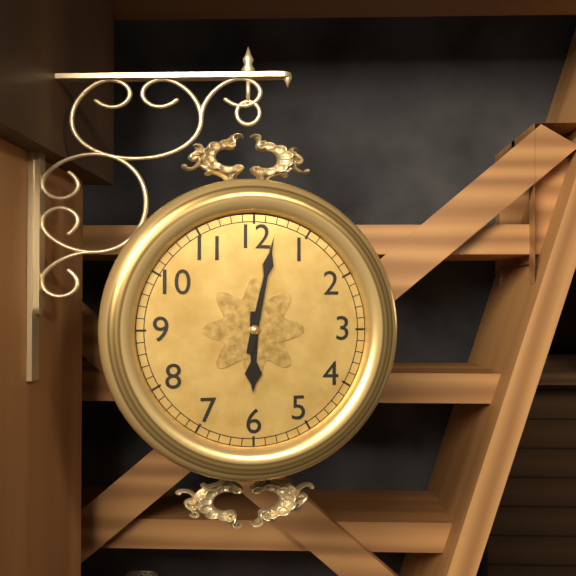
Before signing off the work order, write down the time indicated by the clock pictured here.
6:02
